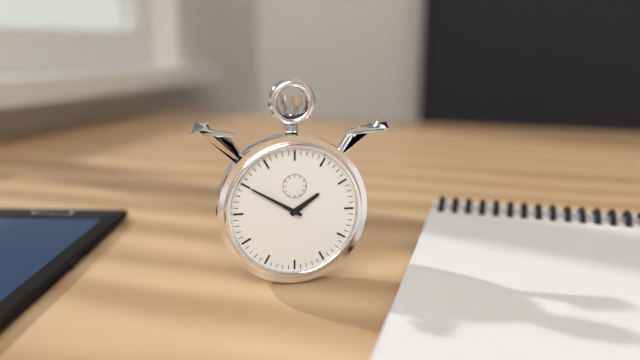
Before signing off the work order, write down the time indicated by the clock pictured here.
1:50
